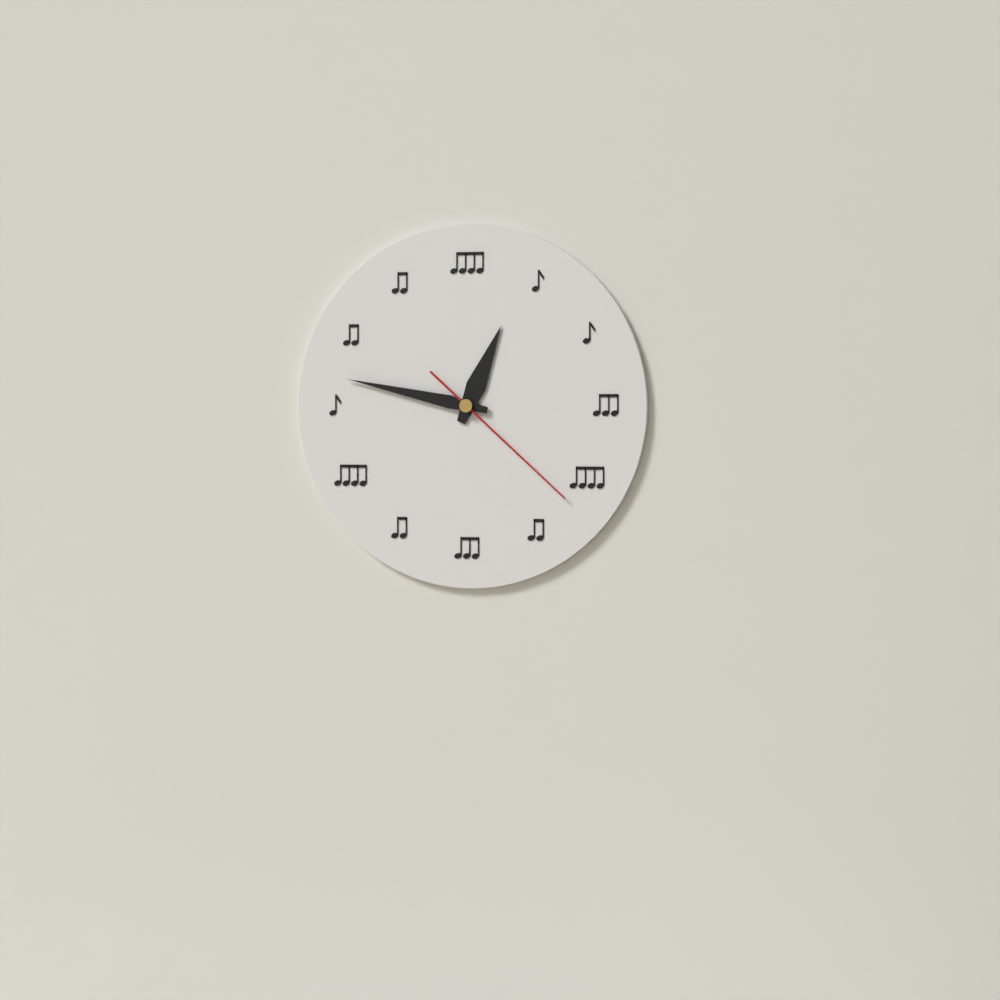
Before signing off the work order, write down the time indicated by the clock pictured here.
12:47:22
